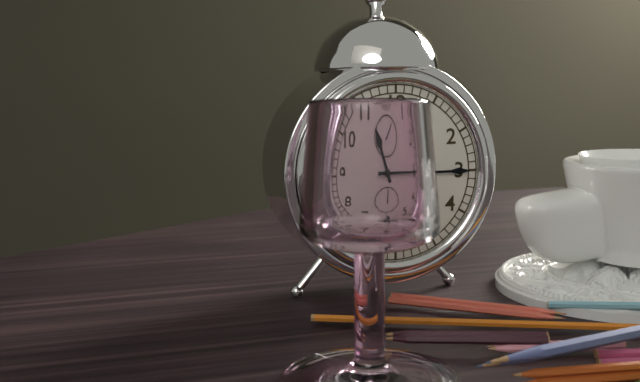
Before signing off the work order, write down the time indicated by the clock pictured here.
11:15
